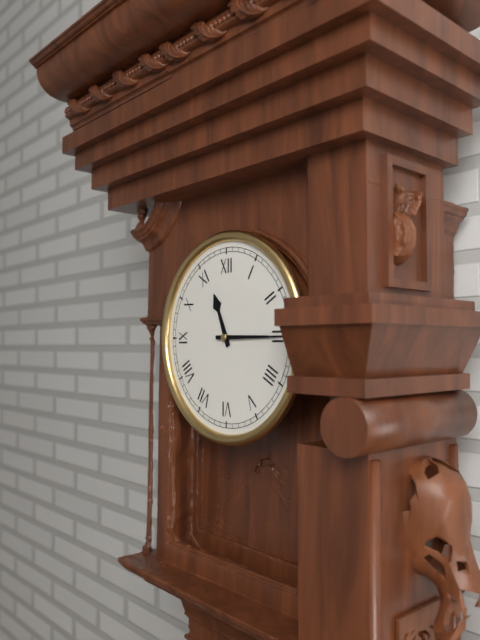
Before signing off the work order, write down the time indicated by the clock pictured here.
11:15
